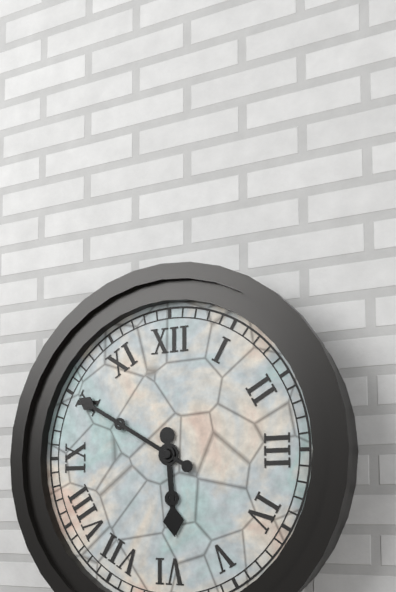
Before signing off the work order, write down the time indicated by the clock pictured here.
5:50
